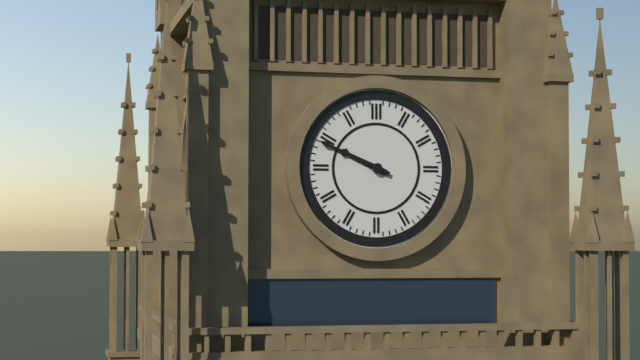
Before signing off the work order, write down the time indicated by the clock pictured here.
9:49
